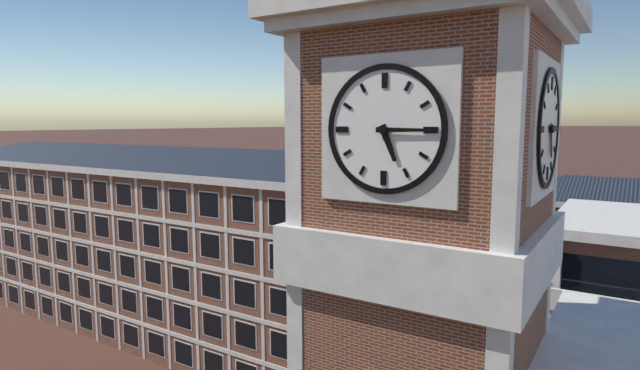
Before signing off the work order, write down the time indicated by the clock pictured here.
5:15
